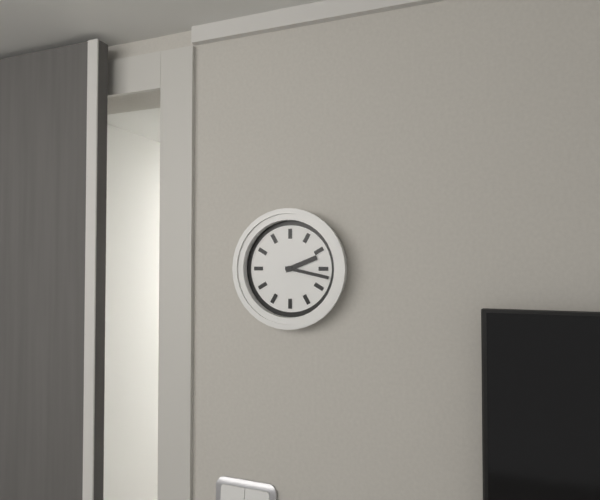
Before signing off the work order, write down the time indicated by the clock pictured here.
2:17
